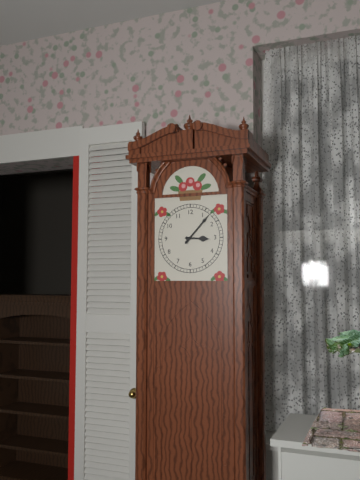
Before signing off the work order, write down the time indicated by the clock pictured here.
3:07
